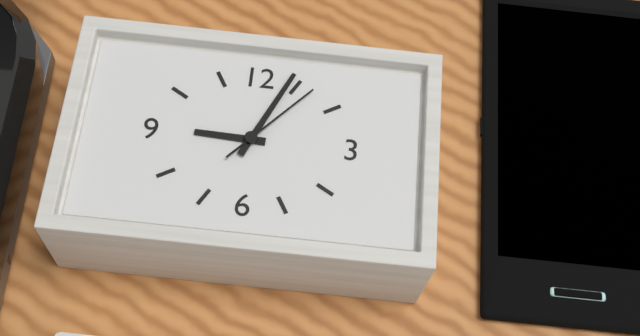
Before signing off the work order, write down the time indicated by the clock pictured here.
9:04:07
